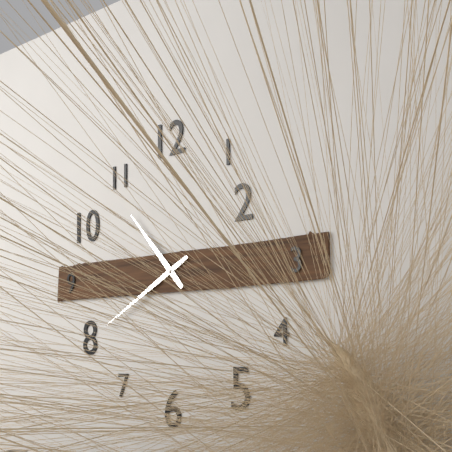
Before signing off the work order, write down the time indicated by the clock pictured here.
10:40
